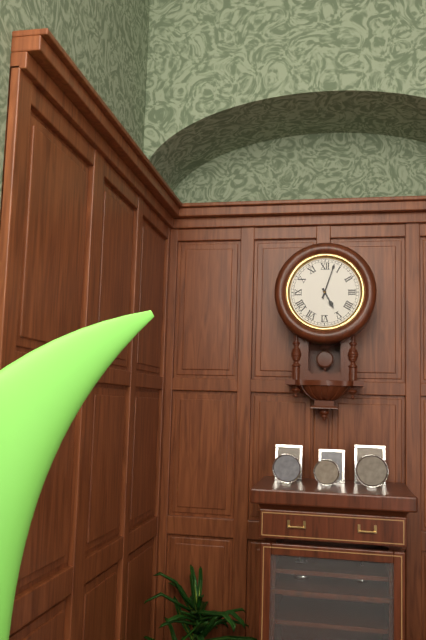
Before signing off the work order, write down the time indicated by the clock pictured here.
5:03
